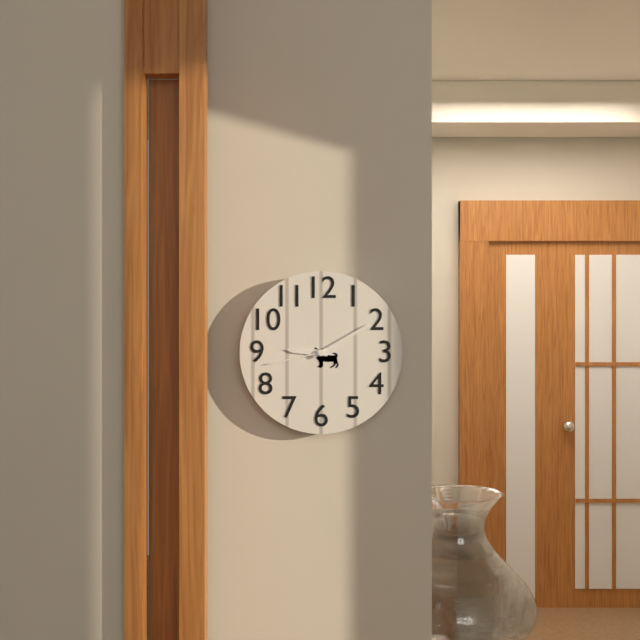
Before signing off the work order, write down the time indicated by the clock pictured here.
9:10:43
